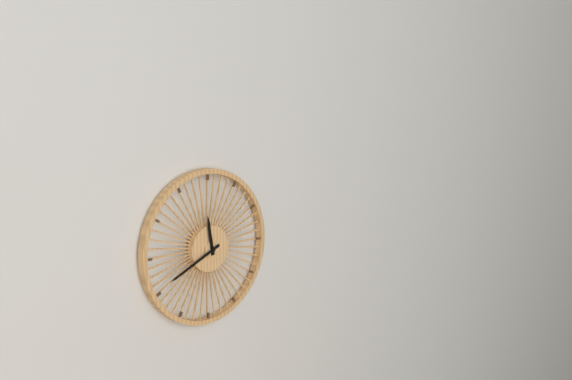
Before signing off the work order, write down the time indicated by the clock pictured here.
11:41
